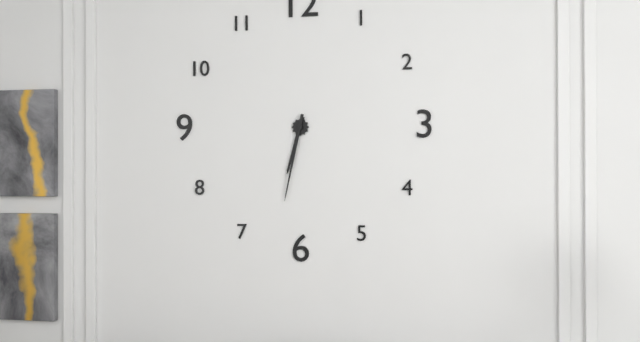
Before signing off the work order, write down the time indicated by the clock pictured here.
6:32
